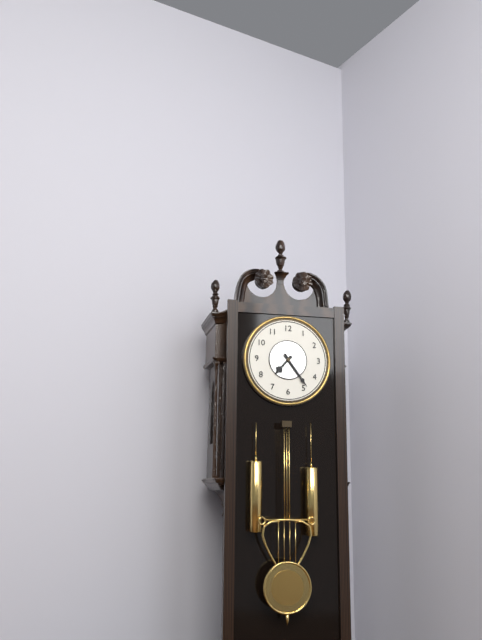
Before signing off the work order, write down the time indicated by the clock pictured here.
7:24
